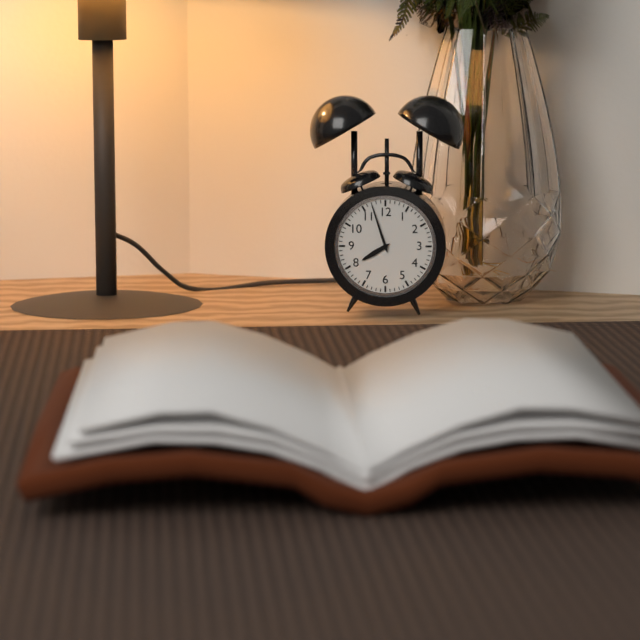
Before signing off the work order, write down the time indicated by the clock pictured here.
7:57
